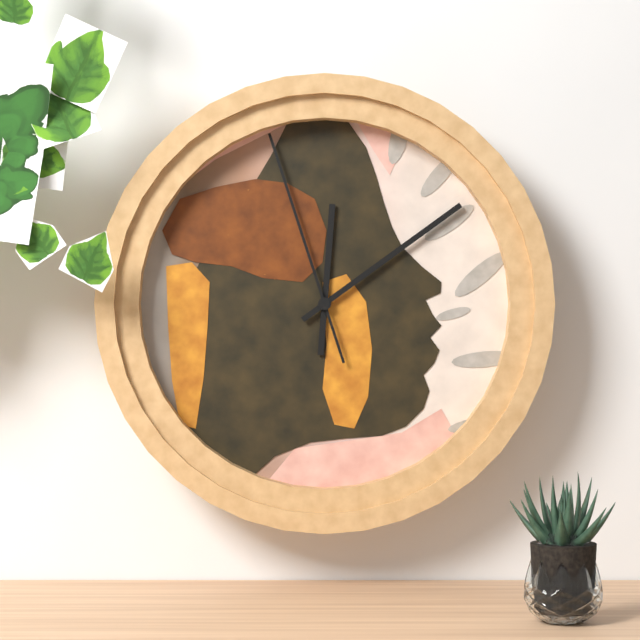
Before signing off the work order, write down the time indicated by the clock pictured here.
12:09:57
